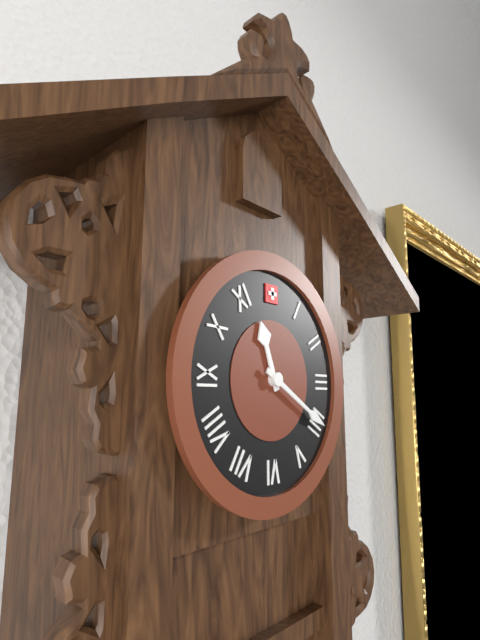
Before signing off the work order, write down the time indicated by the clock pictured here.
11:20
